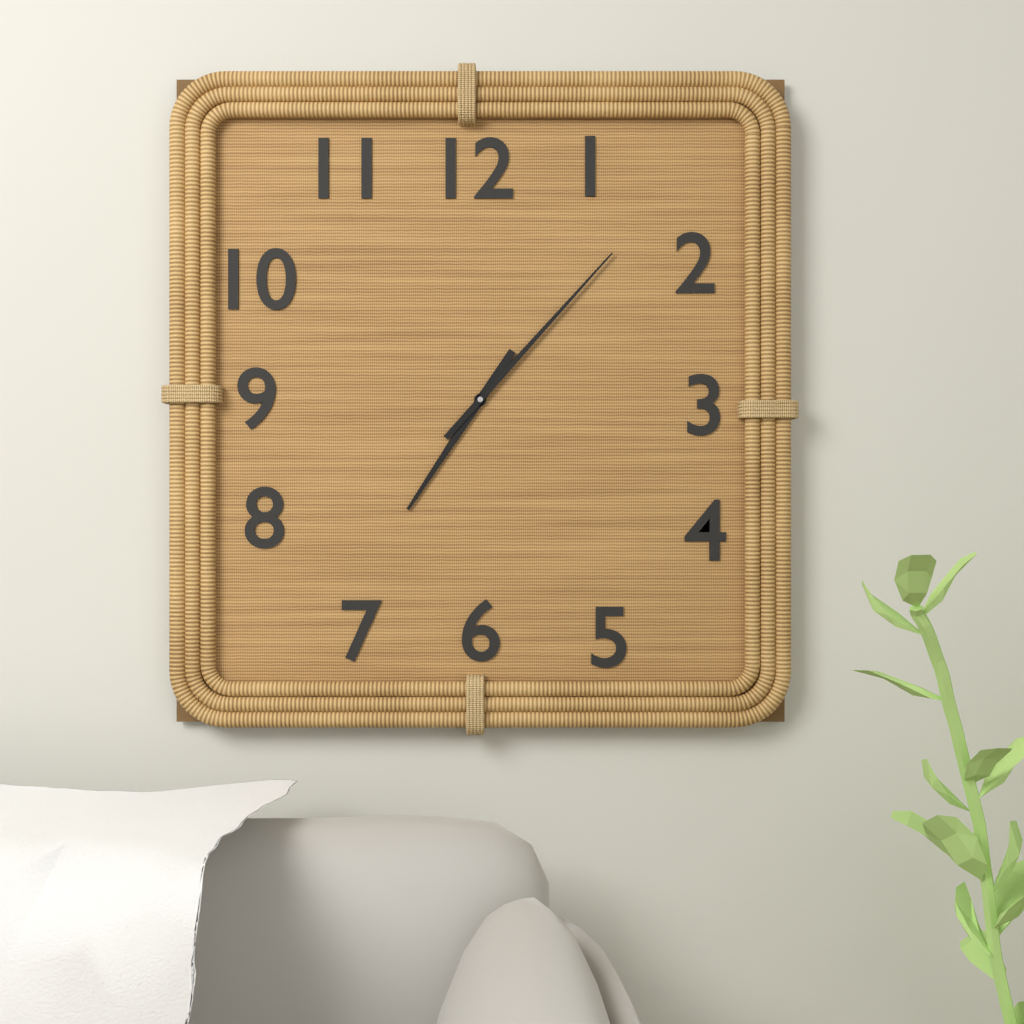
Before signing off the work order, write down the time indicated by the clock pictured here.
7:07
